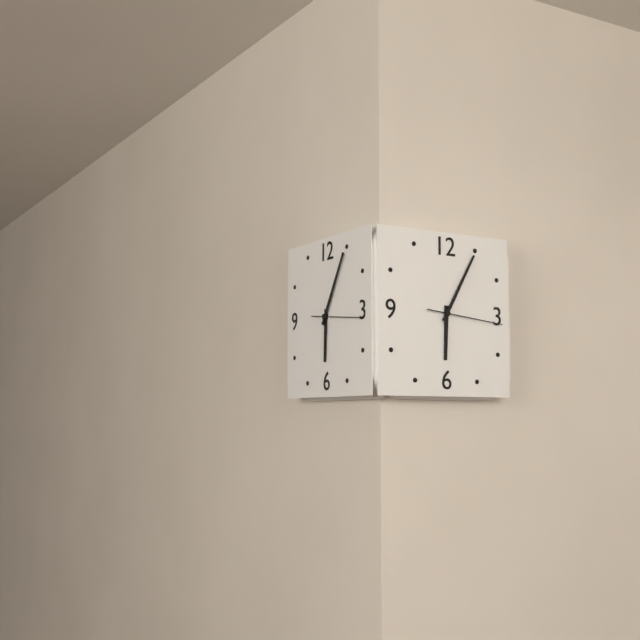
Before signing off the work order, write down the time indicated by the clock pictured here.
6:05
